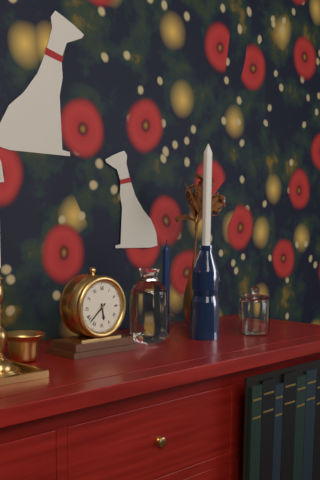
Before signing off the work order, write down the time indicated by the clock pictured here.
5:38
